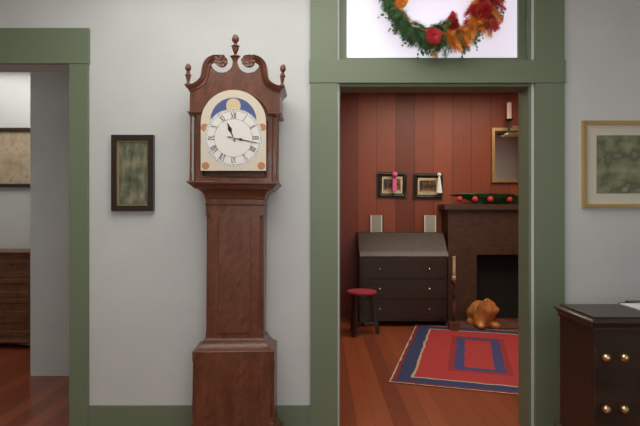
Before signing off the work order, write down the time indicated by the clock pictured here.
11:17
